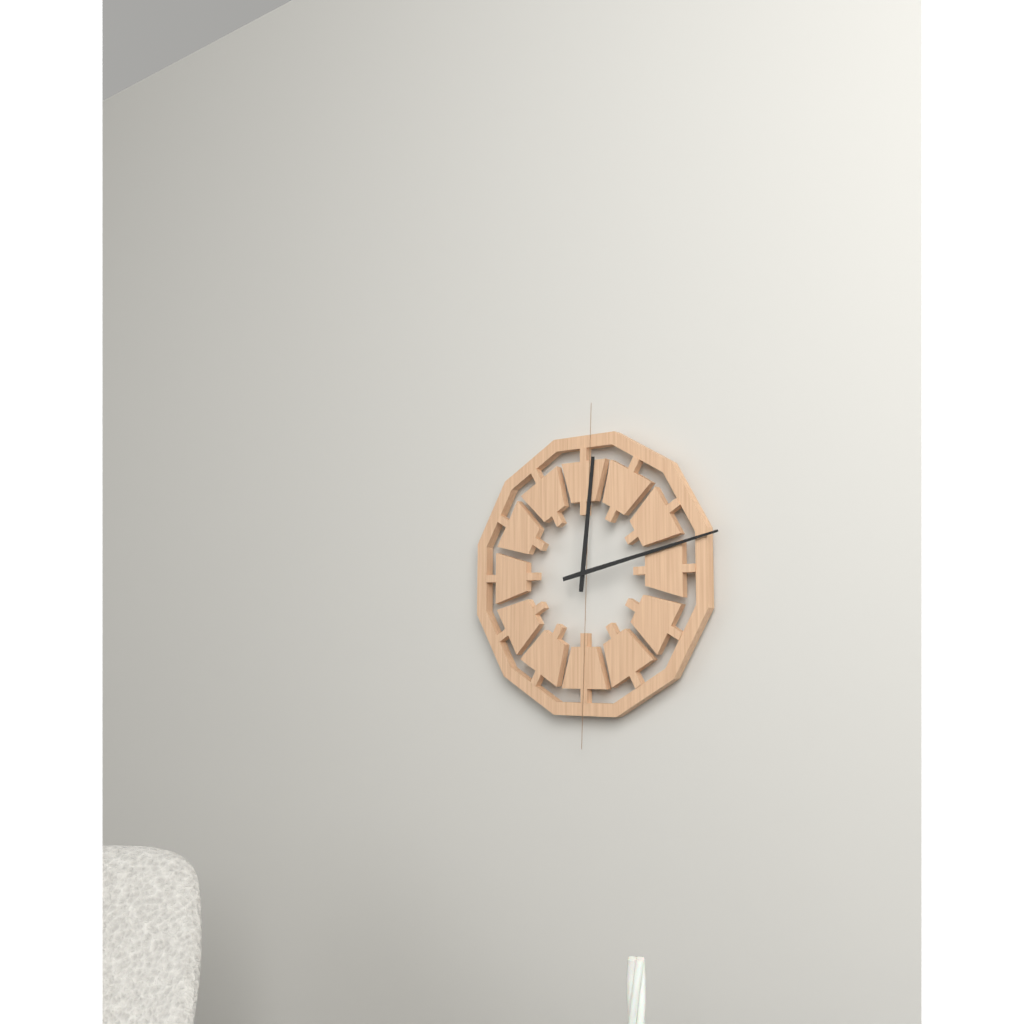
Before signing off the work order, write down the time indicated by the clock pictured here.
12:13
